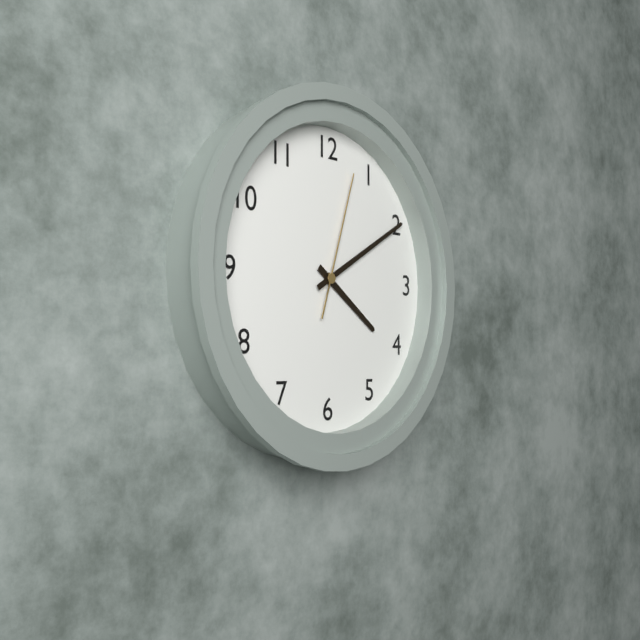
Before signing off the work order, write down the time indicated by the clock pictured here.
4:10:03
